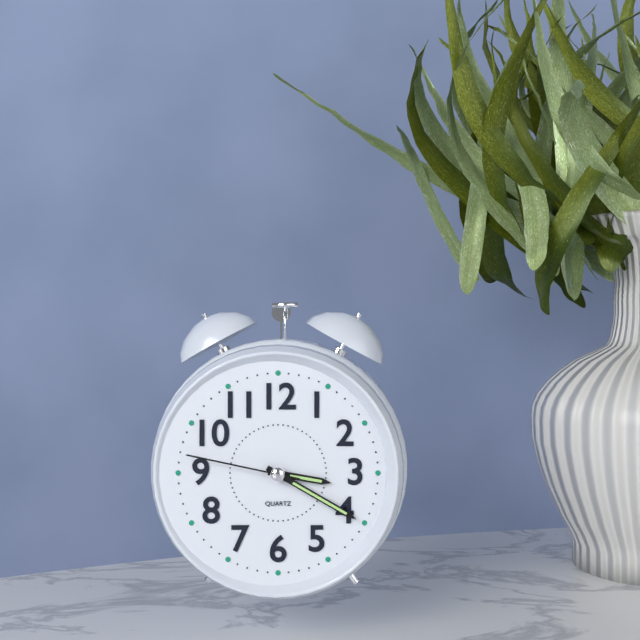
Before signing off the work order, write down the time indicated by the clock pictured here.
3:20:47
